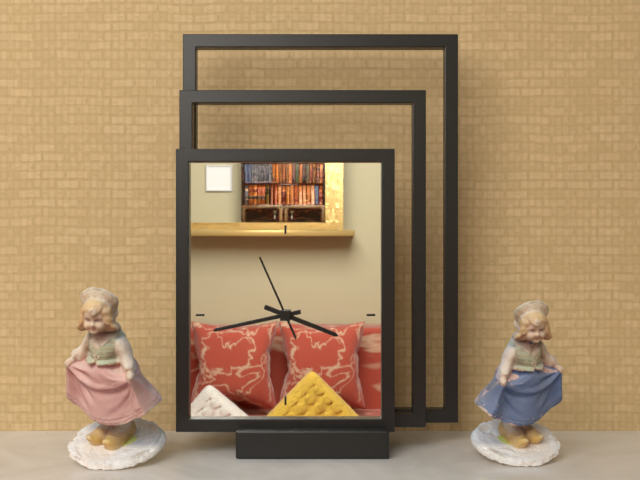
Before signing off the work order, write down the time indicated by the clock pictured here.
3:43:56
